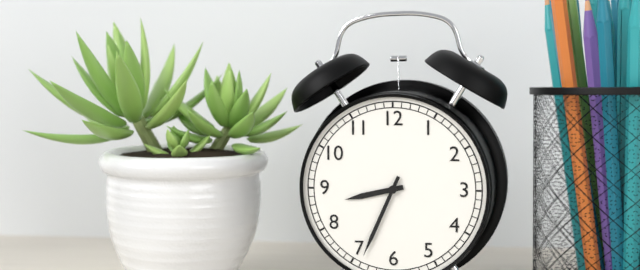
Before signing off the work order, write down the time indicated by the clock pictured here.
8:34
